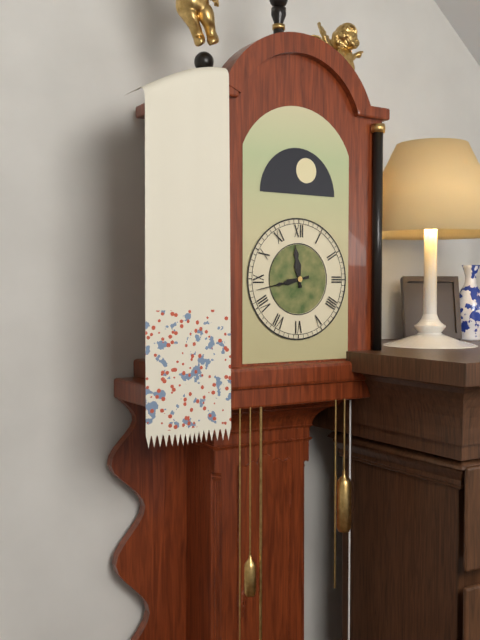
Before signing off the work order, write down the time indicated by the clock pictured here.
11:43
